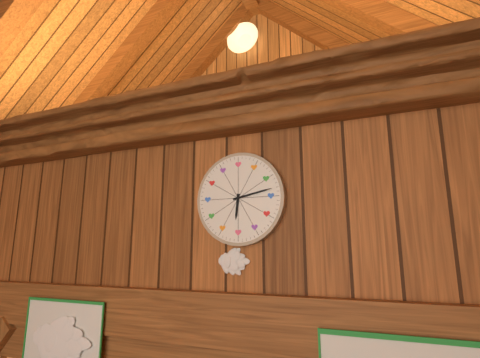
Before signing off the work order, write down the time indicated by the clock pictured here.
6:13
